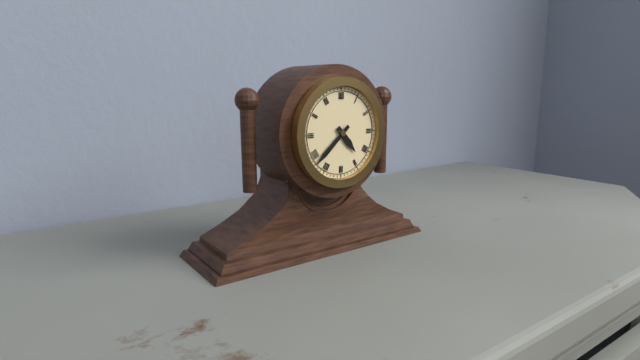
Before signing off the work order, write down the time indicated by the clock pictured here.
4:38
